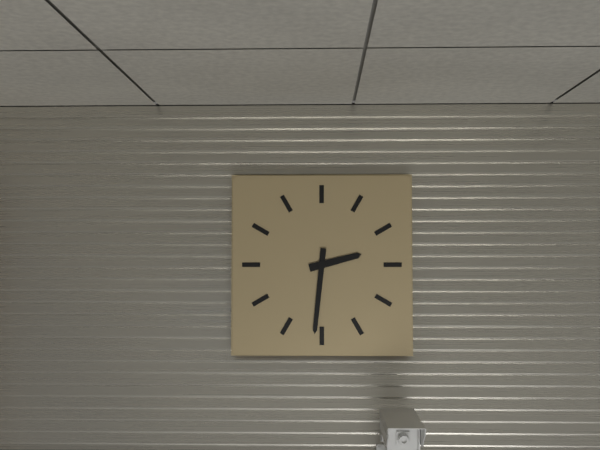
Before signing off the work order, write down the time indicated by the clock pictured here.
2:31
